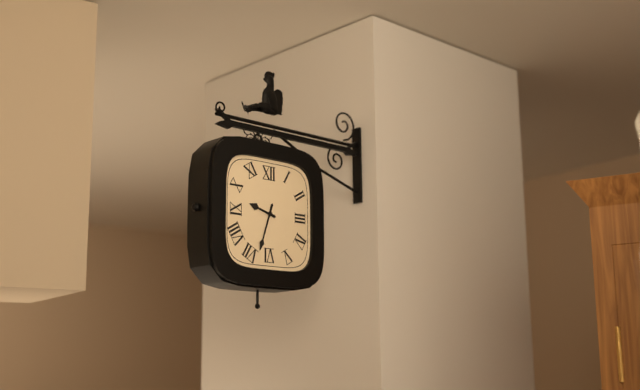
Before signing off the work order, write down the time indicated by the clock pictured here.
9:33
